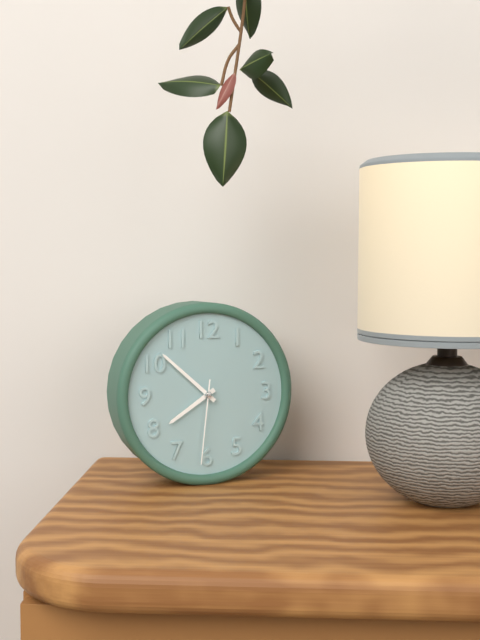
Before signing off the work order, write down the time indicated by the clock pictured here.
7:52:31
